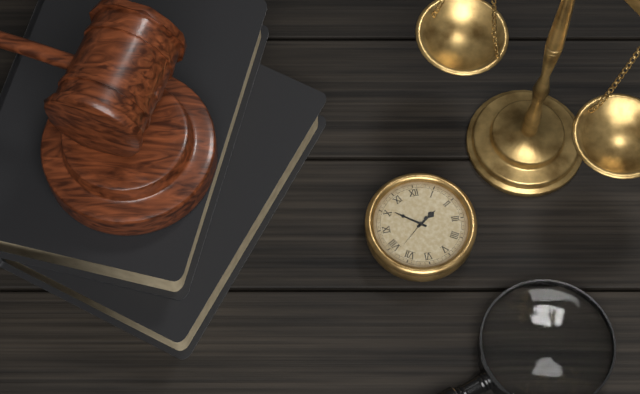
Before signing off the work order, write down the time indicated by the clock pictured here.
1:51
